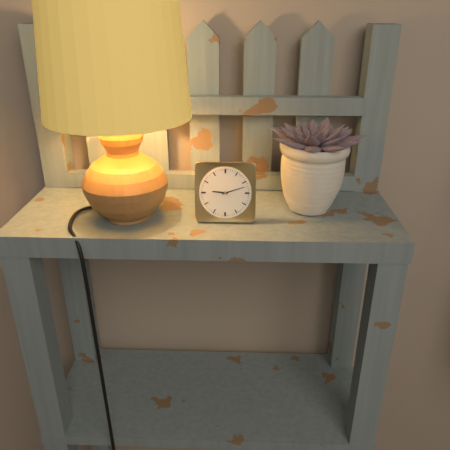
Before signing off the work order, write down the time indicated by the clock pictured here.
9:12
